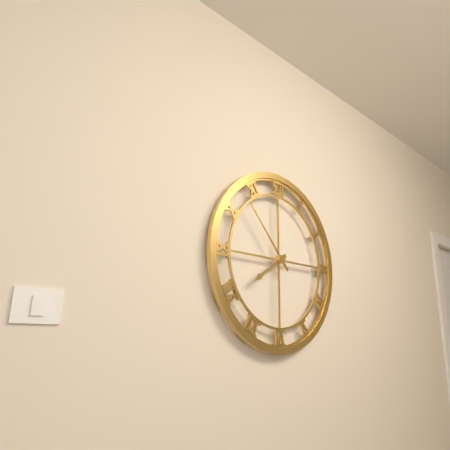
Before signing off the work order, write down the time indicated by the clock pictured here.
7:53
